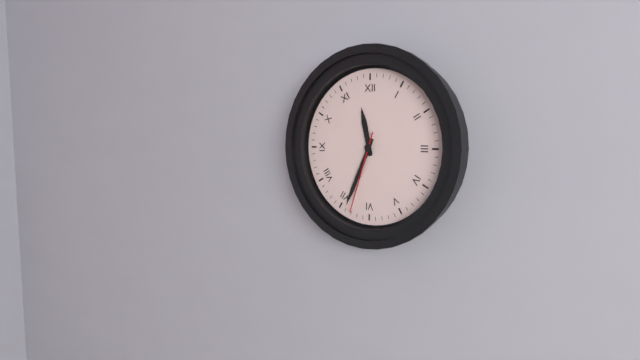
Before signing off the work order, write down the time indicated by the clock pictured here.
11:34:33
